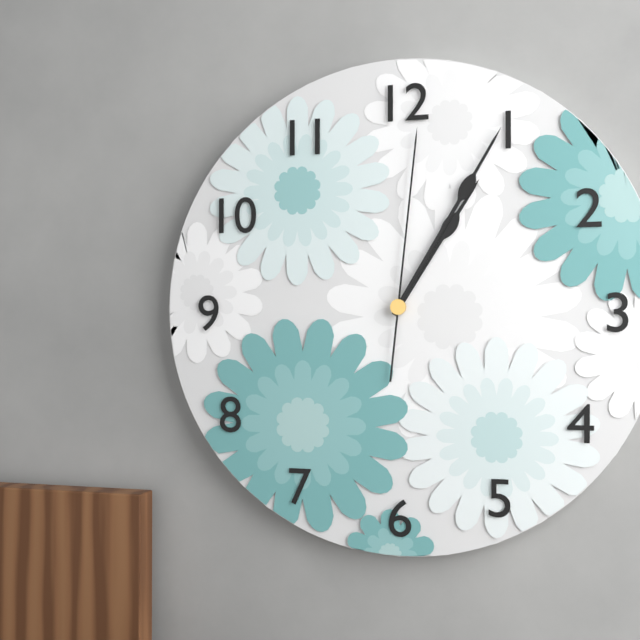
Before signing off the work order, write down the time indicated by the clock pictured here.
1:05:01
